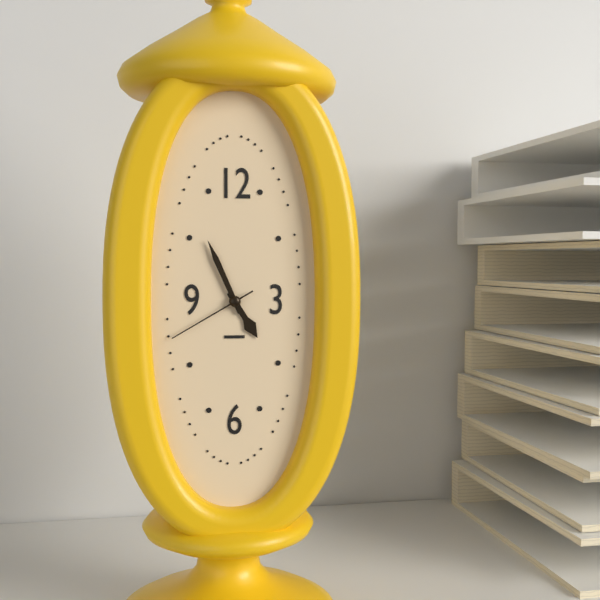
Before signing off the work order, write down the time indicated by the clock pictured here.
4:56:40
